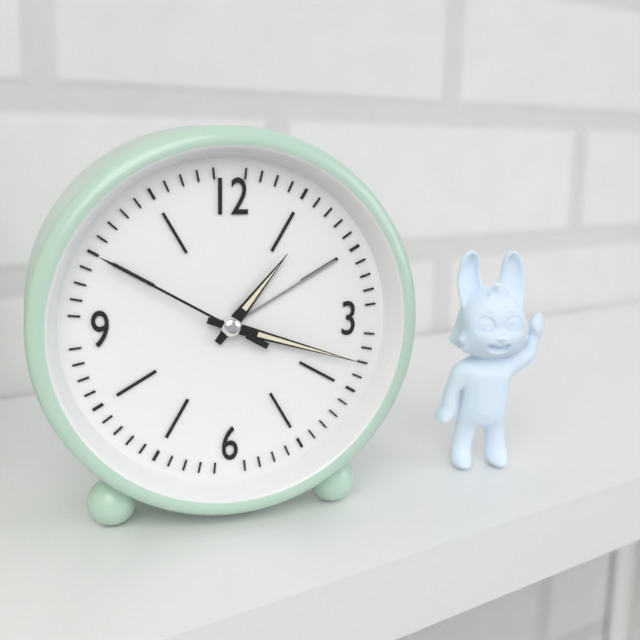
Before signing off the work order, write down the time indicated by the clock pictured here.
1:18:50
